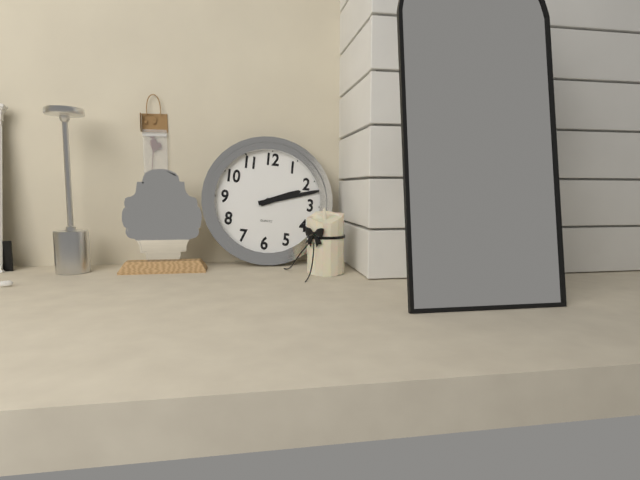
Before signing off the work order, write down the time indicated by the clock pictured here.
2:12
